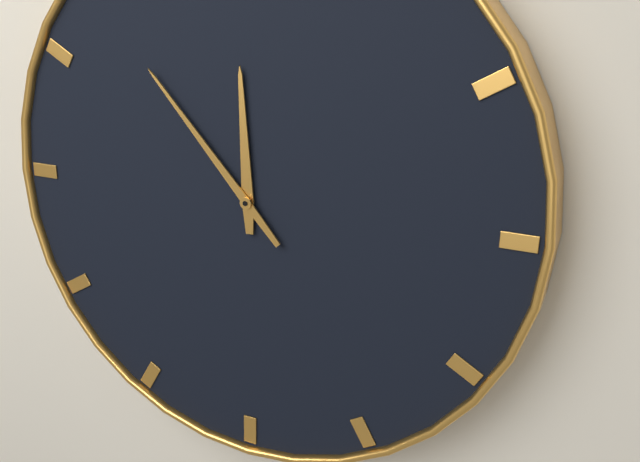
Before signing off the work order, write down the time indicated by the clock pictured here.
11:53
